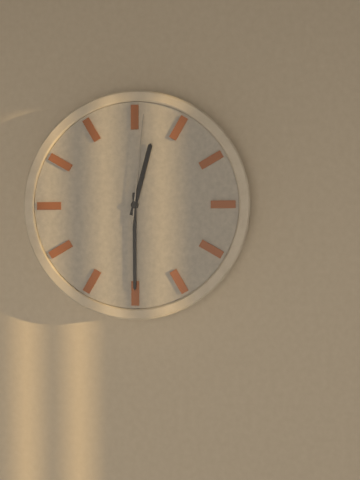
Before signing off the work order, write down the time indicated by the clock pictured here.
12:30:01
